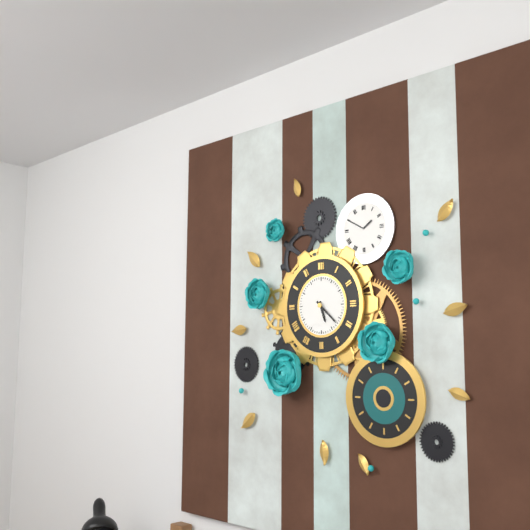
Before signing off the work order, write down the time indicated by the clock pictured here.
5:22
